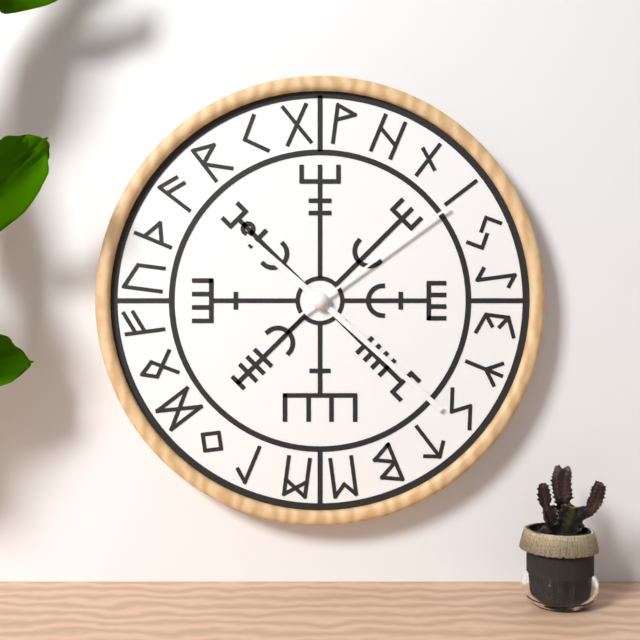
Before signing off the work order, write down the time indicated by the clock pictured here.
10:22:09
